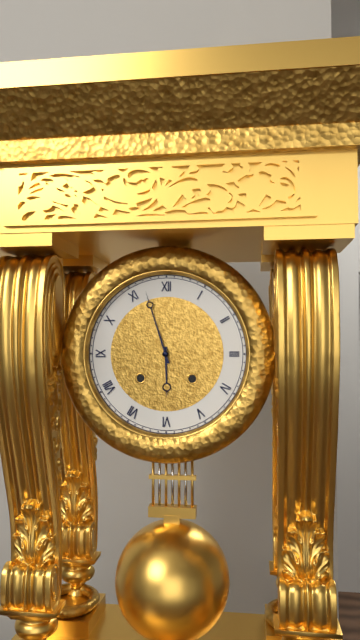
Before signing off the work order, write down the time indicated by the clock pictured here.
5:57
